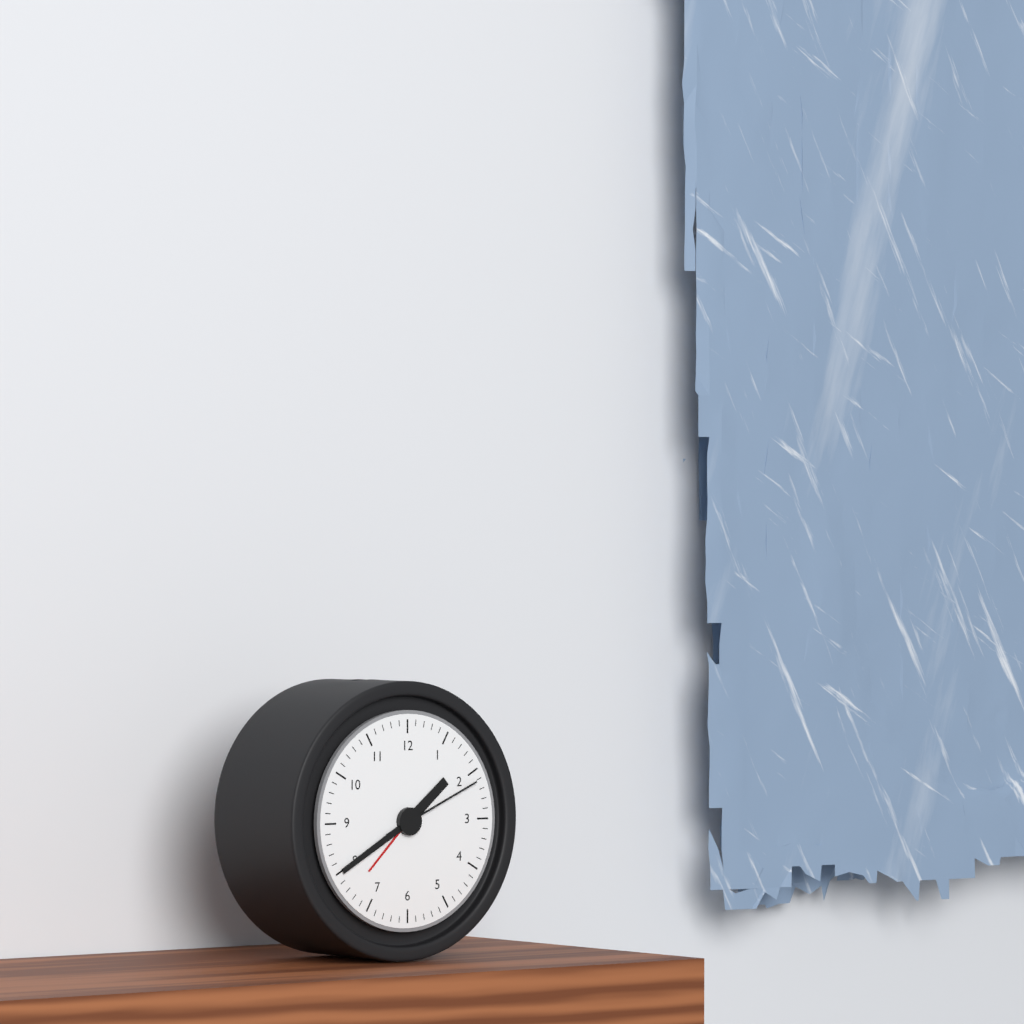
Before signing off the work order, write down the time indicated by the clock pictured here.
1:40:11
